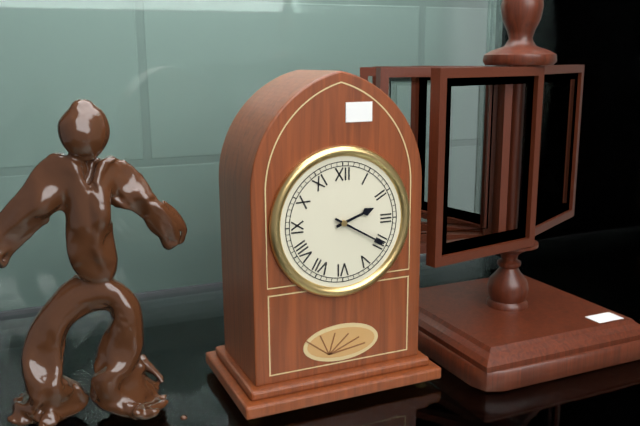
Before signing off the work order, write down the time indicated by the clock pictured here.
2:20
